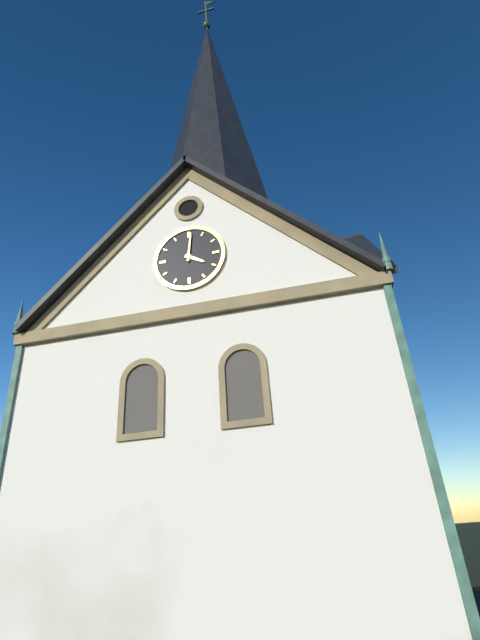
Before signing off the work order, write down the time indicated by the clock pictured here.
4:01
